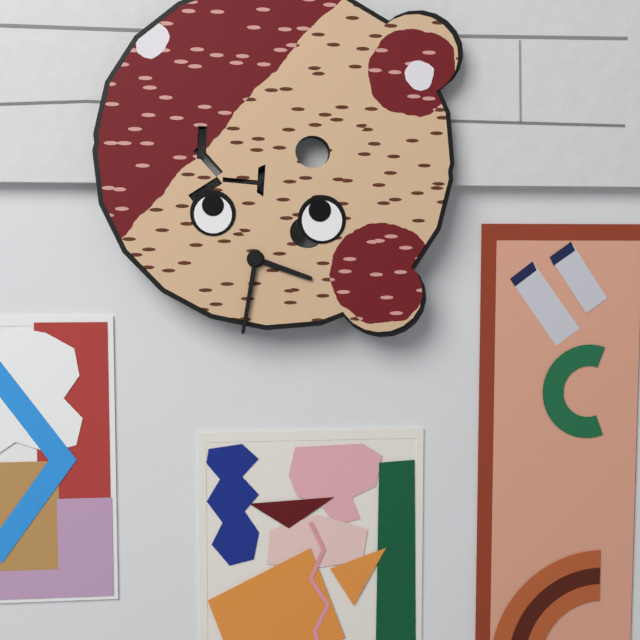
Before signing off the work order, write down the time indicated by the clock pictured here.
3:31
